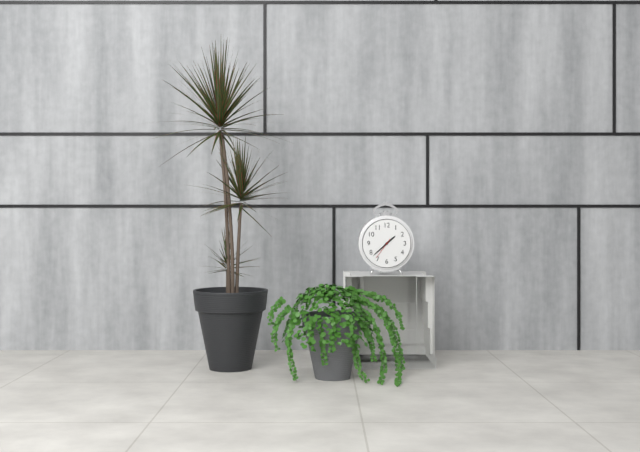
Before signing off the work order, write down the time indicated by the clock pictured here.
1:38
